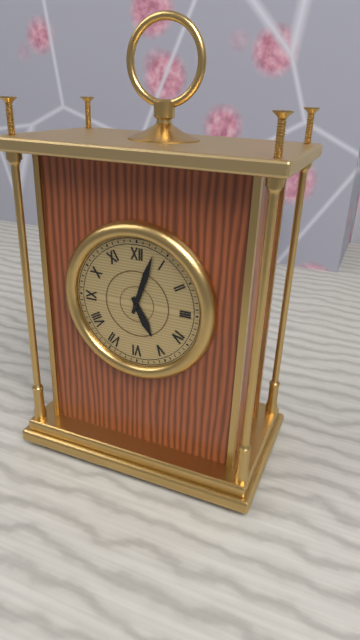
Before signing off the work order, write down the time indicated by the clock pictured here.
5:03
